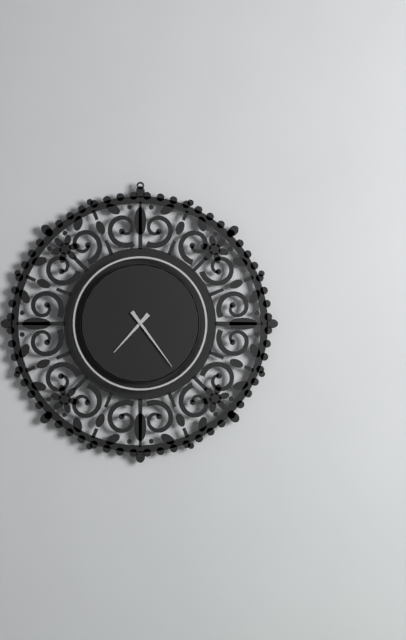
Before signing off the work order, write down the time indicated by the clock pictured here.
7:24
